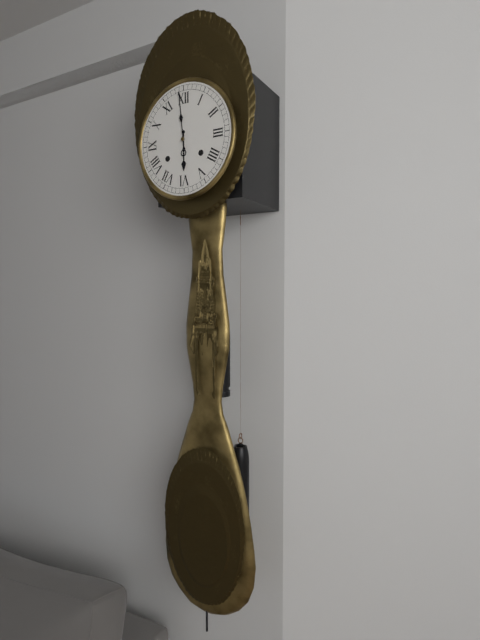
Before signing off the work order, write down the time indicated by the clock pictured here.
5:59
